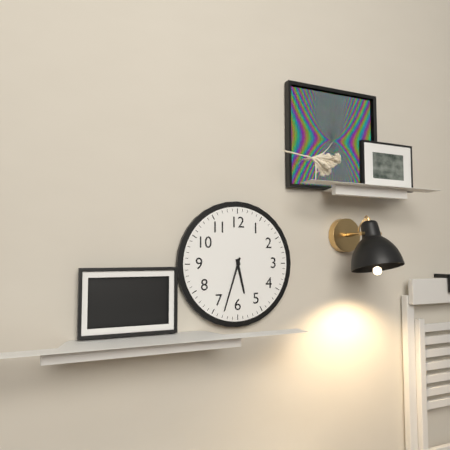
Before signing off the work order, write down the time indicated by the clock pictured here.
5:33
